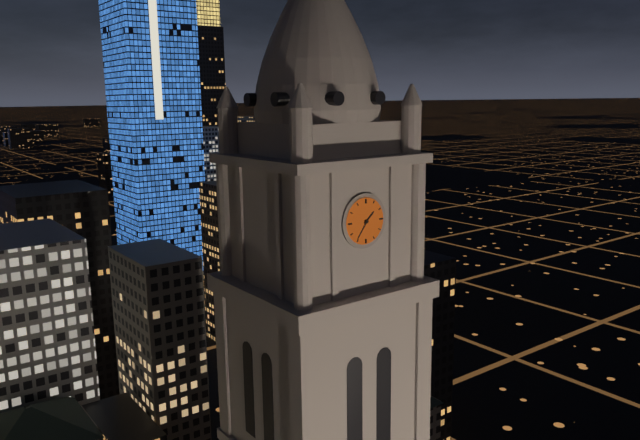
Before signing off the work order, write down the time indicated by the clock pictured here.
1:36
